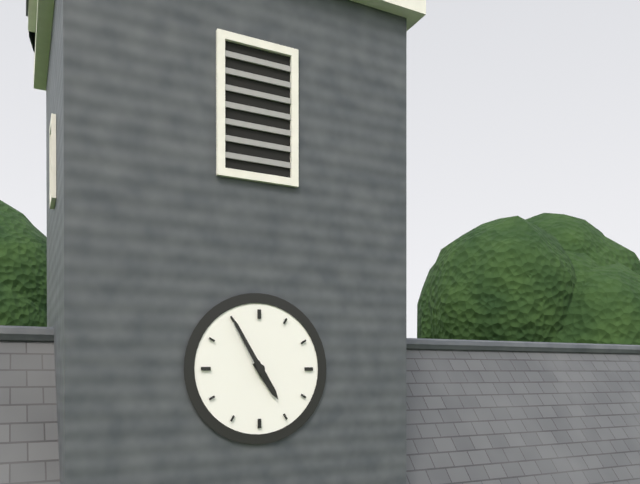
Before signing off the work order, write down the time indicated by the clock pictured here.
4:55
